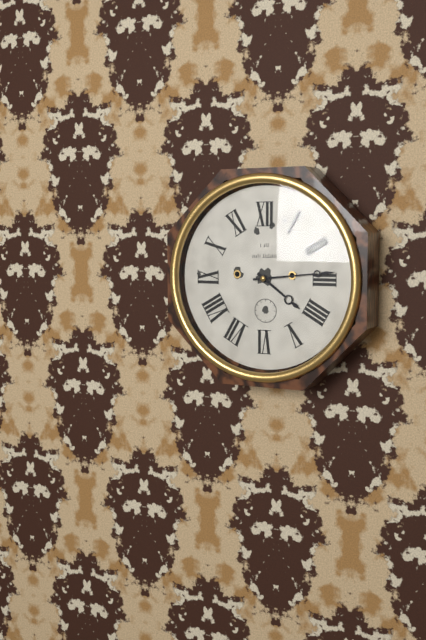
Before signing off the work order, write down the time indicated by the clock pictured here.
4:14
